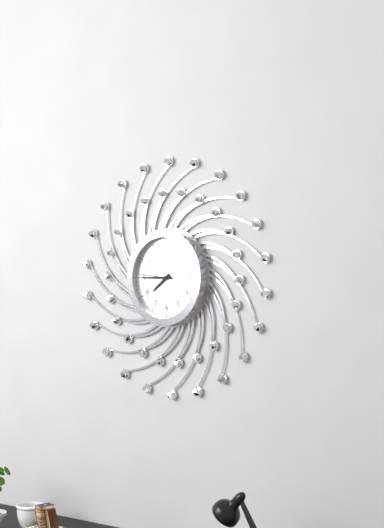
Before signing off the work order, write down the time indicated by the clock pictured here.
7:45
